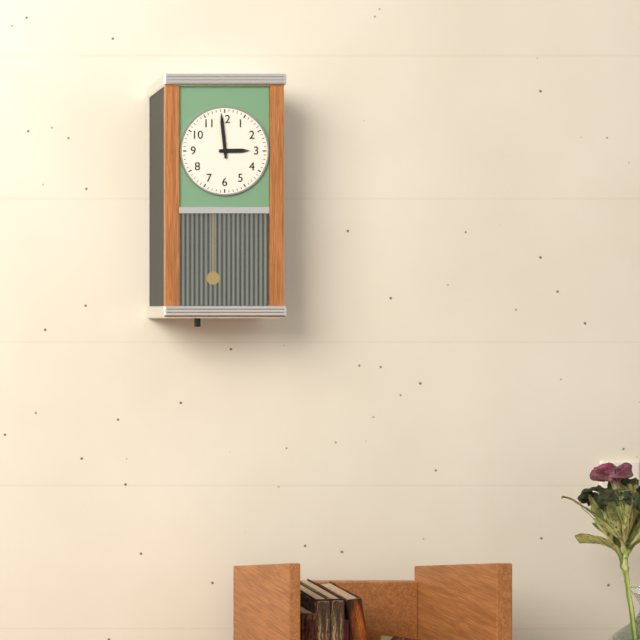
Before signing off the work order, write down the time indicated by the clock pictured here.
2:59
